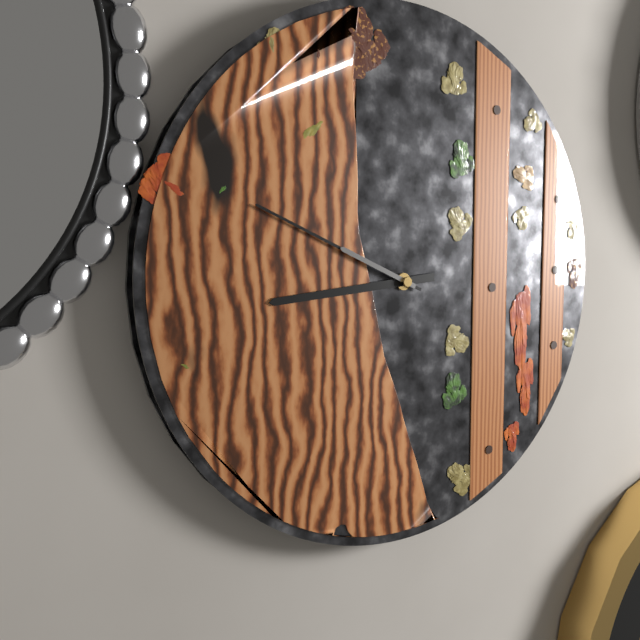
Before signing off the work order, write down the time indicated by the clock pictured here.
8:49:49
